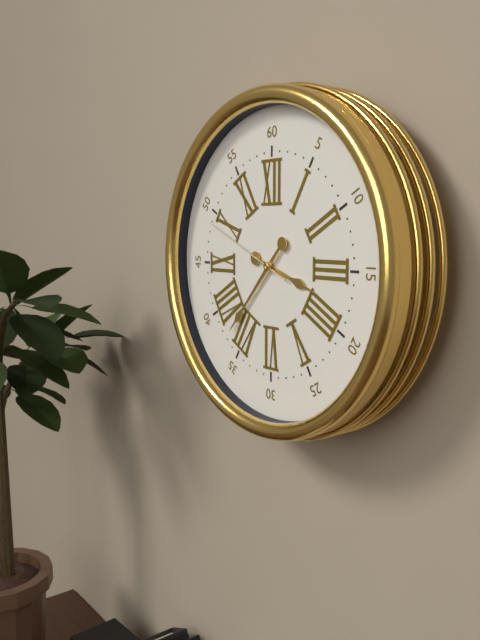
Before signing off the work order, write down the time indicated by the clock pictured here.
3:37:49
